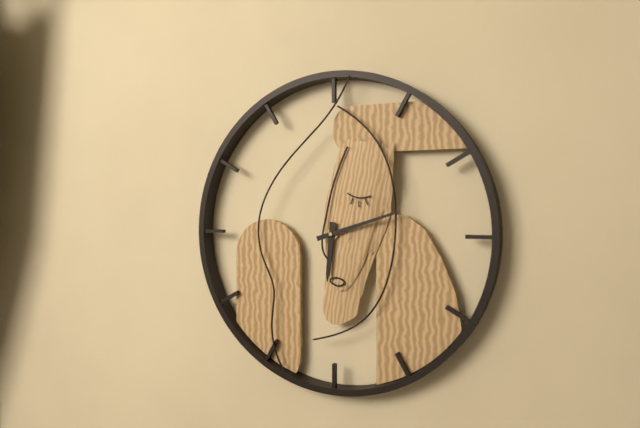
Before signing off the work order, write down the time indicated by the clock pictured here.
6:12
